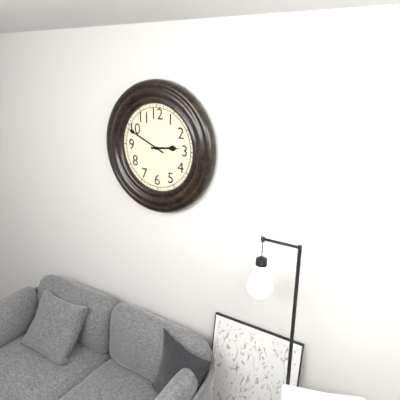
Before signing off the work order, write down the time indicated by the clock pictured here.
2:49
